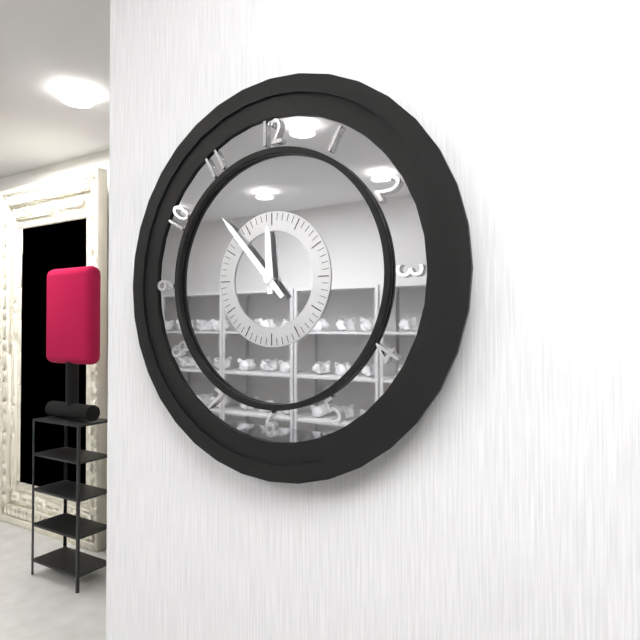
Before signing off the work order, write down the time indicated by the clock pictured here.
11:53
